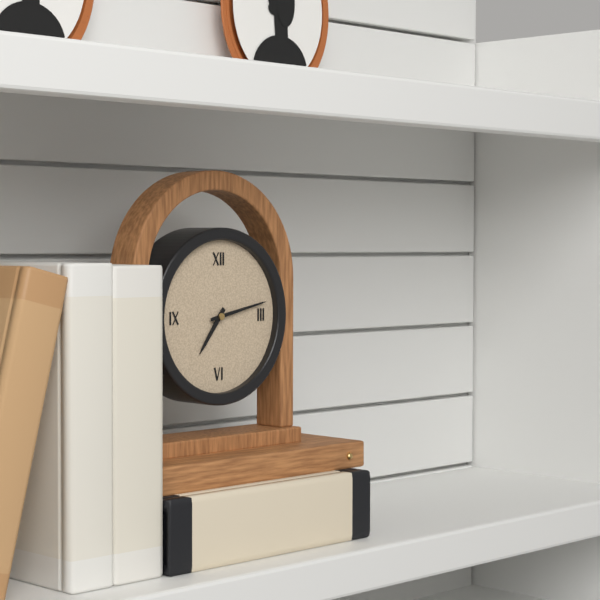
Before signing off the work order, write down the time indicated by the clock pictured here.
7:13
